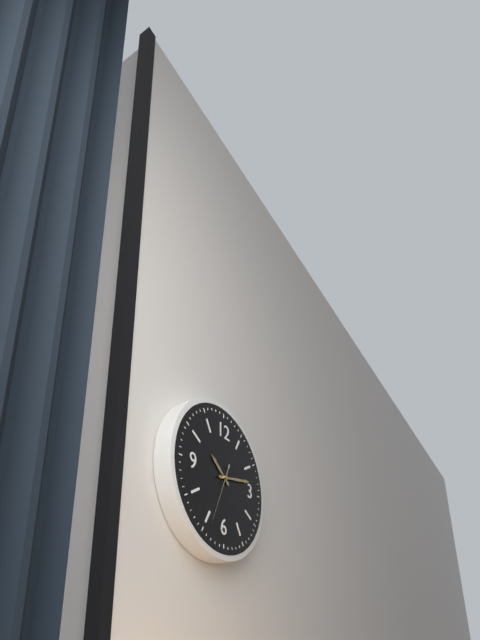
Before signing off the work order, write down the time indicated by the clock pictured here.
10:13:34
